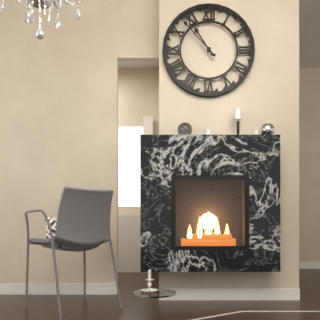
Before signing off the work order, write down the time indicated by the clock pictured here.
10:53
